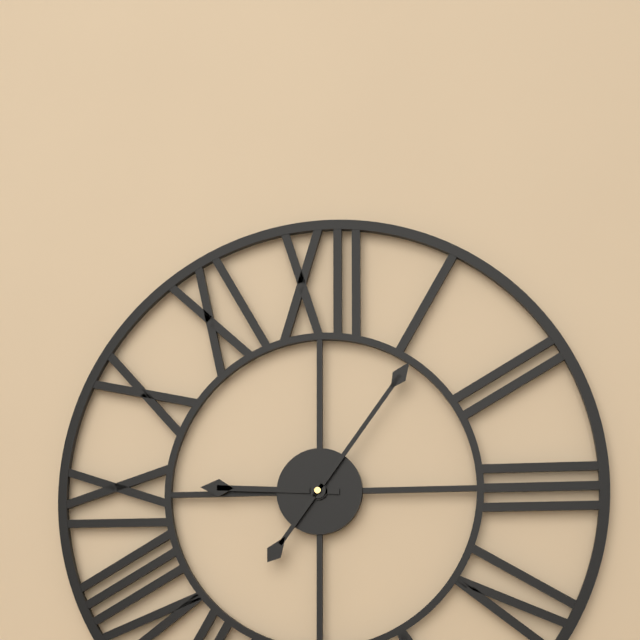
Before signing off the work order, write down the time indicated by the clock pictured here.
9:06
